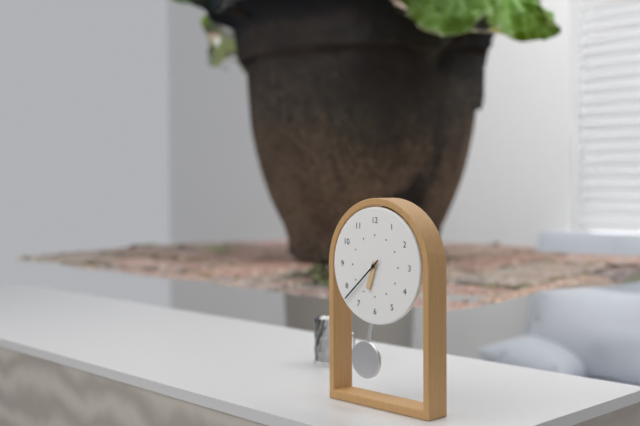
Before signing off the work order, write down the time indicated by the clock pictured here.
6:38
